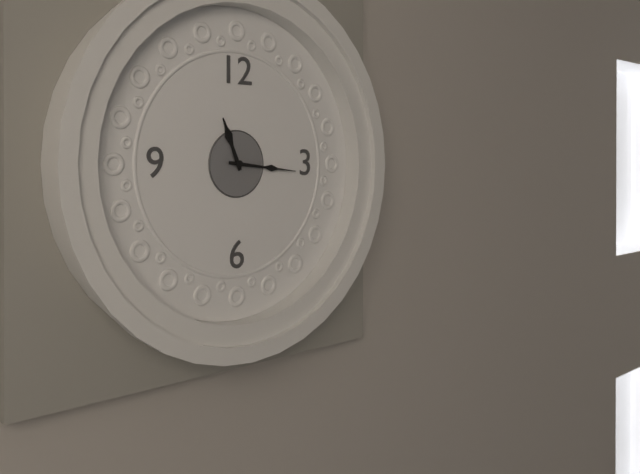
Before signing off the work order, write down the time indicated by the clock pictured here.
11:16
